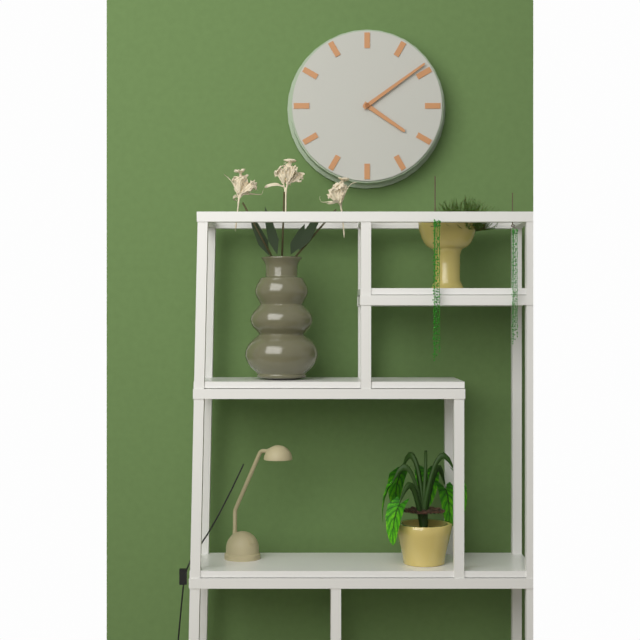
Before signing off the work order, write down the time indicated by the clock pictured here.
4:09
